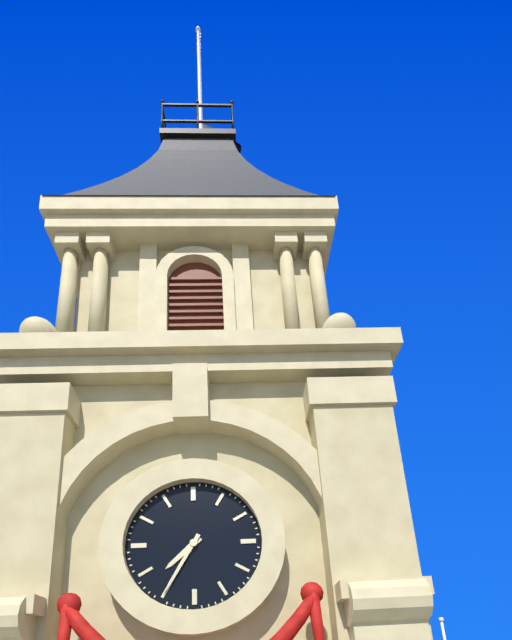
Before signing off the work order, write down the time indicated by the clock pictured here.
7:35
